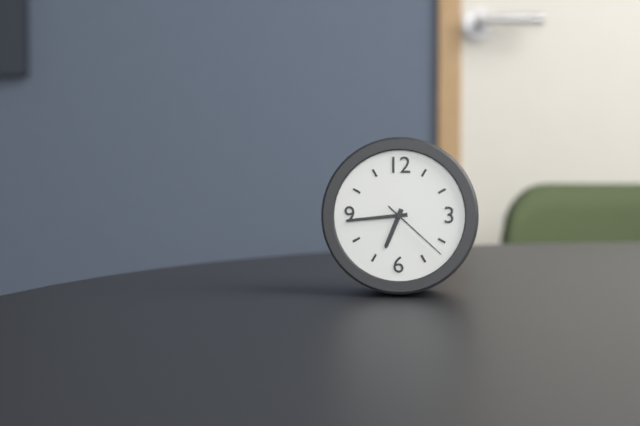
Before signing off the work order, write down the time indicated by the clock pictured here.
6:44:22
